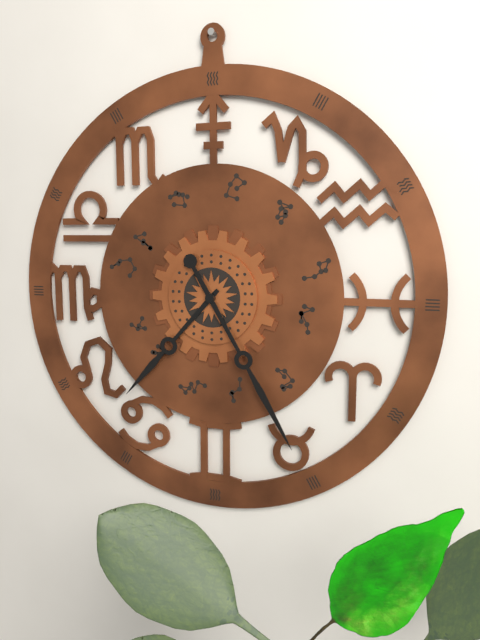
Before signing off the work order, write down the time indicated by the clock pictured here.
7:25
